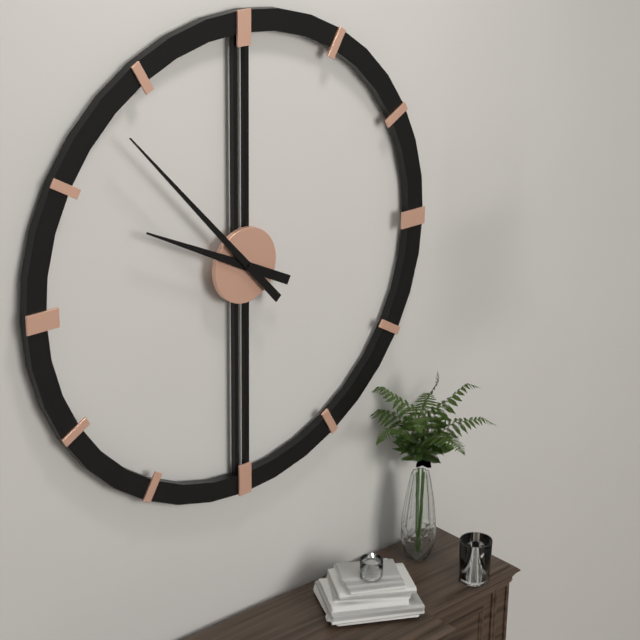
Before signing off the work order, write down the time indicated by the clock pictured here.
9:53
